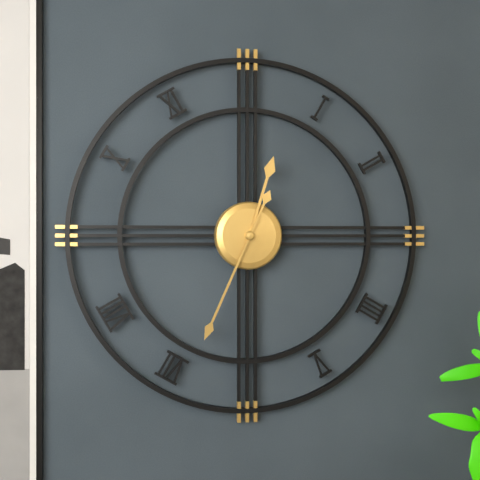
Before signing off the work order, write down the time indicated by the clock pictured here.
12:34
